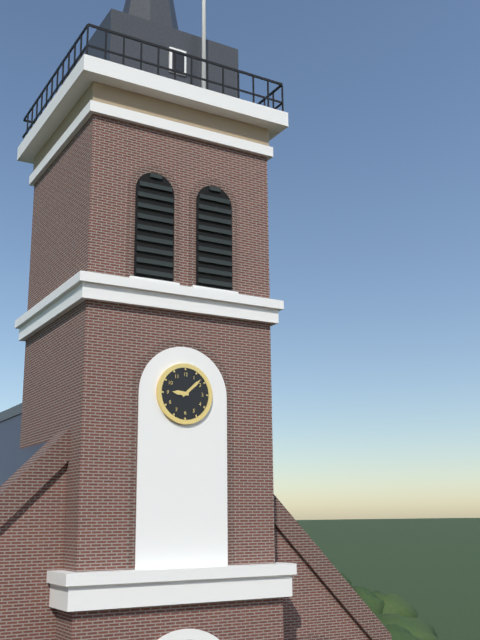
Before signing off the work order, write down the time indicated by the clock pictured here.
9:08
